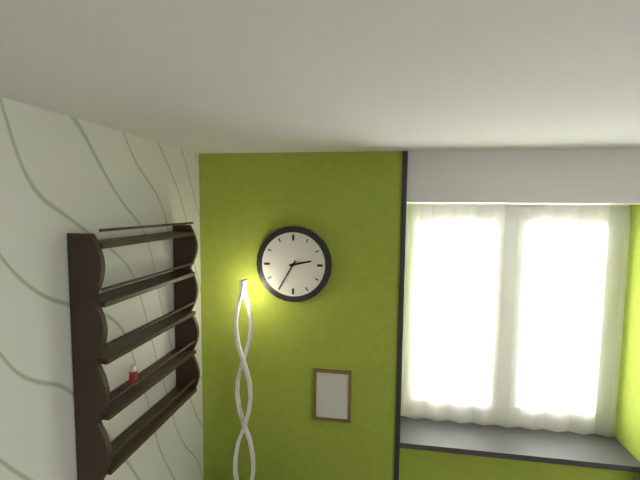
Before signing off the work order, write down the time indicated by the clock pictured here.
2:35
